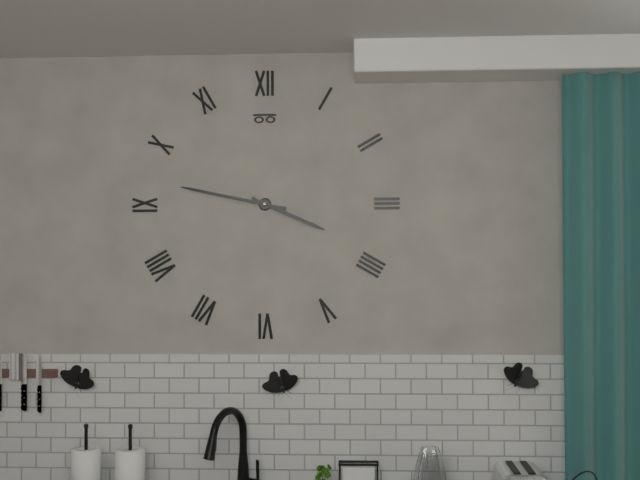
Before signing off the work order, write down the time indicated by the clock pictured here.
3:47
